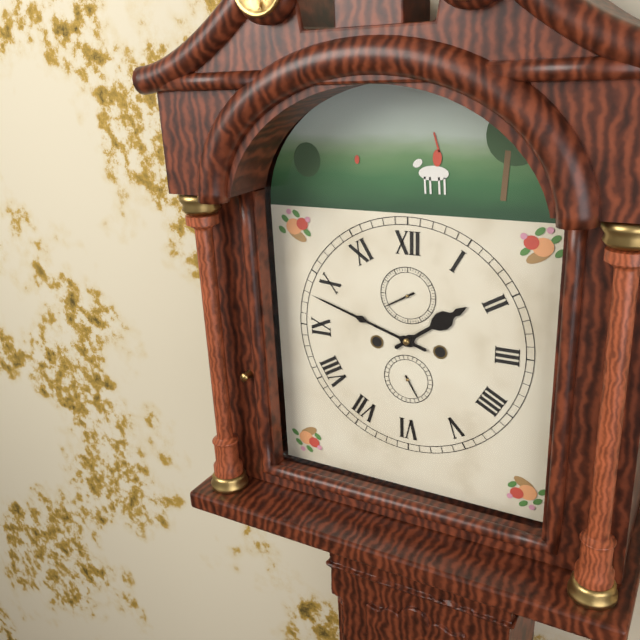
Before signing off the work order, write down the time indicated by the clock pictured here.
1:48
